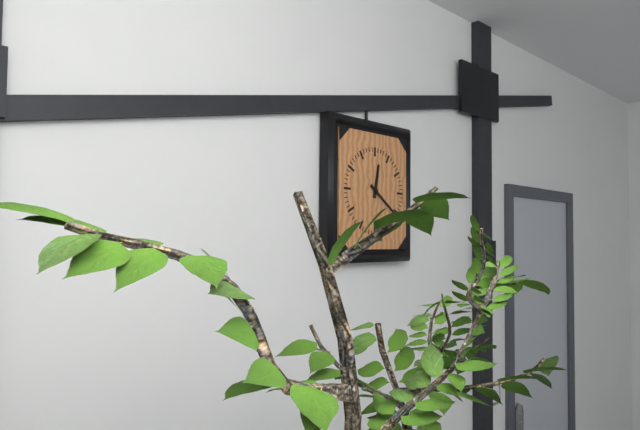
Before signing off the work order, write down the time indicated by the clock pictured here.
12:21
